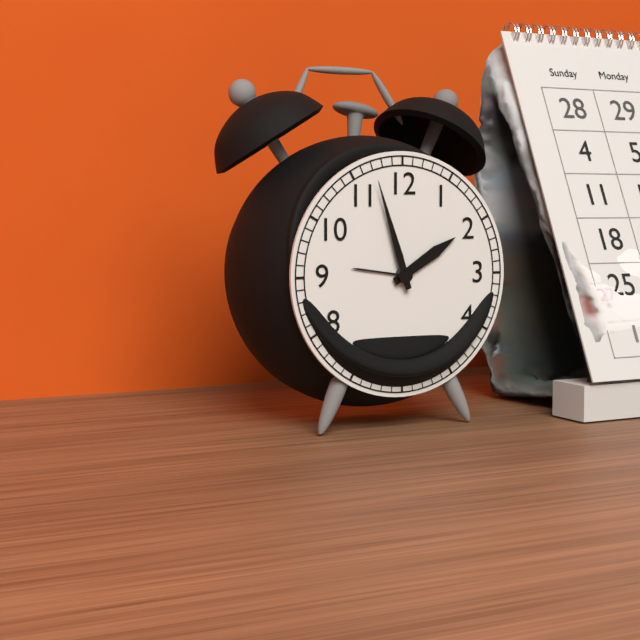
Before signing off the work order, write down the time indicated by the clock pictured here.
1:57
